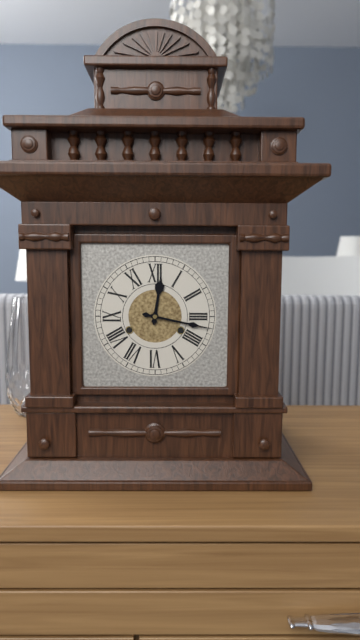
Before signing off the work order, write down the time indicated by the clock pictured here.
12:17
